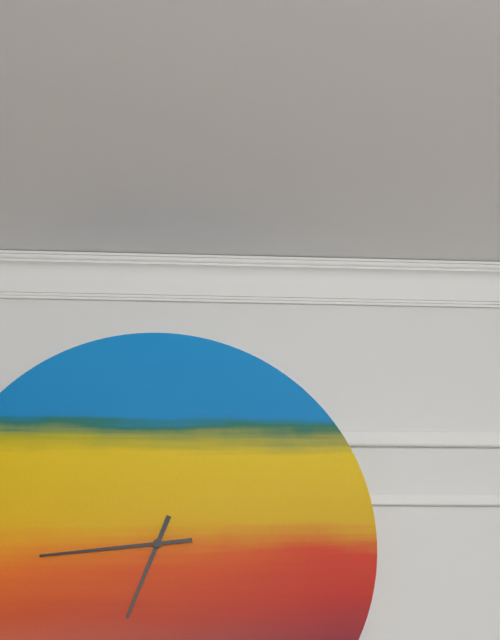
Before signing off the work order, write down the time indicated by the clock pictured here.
6:44
